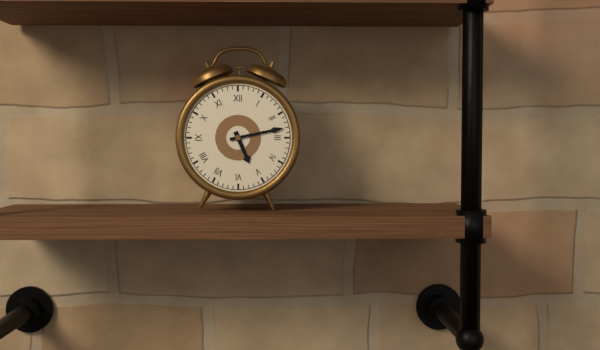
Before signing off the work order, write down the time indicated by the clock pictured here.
5:13
